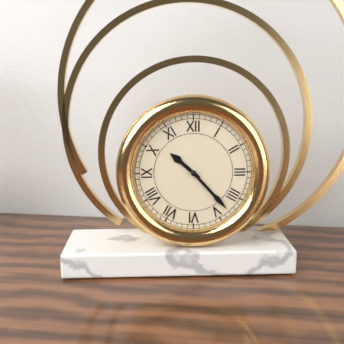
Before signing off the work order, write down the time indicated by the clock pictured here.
10:23
